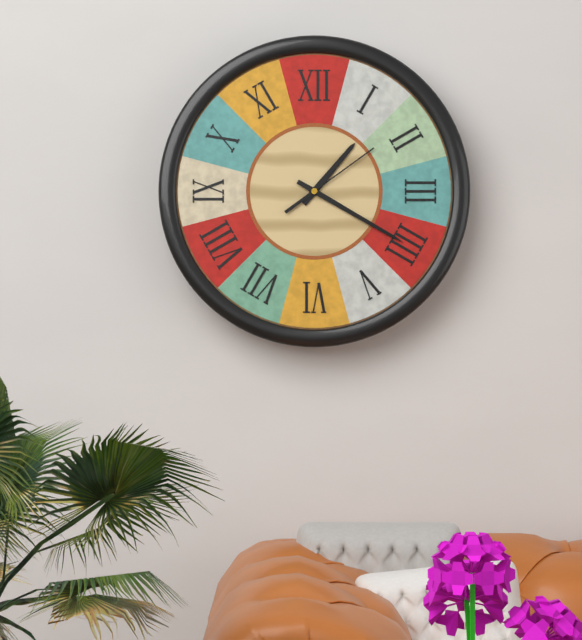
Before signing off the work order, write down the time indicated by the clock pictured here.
1:20:09
